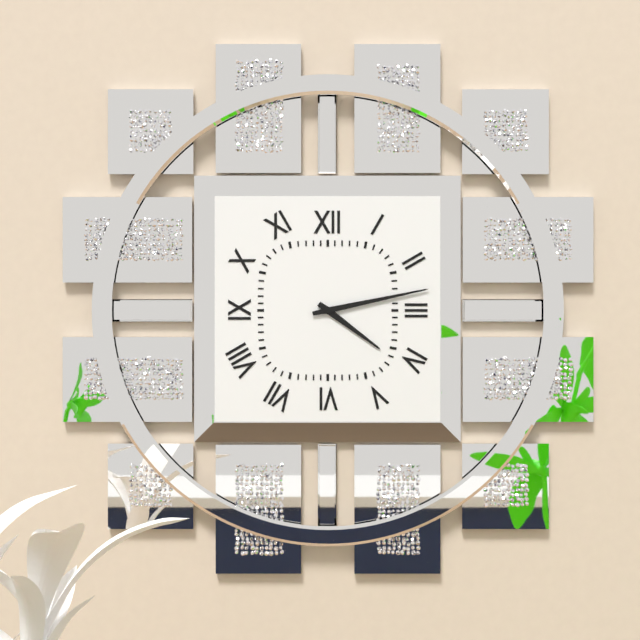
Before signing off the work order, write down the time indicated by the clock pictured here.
4:13
